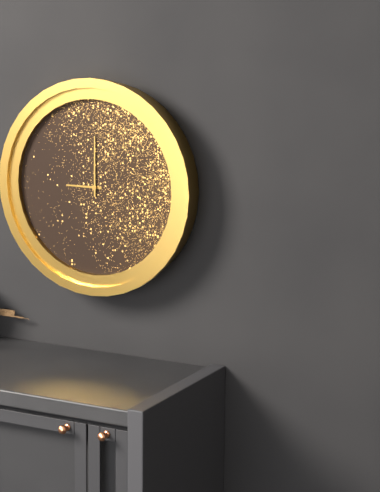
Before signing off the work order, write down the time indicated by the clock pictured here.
9:00
